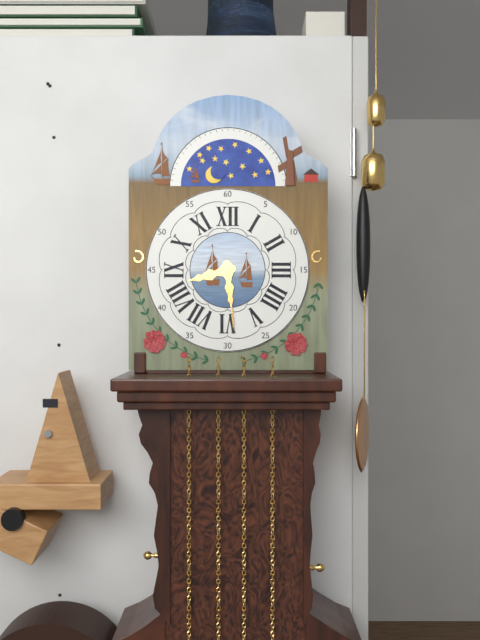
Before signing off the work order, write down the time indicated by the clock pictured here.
8:29
